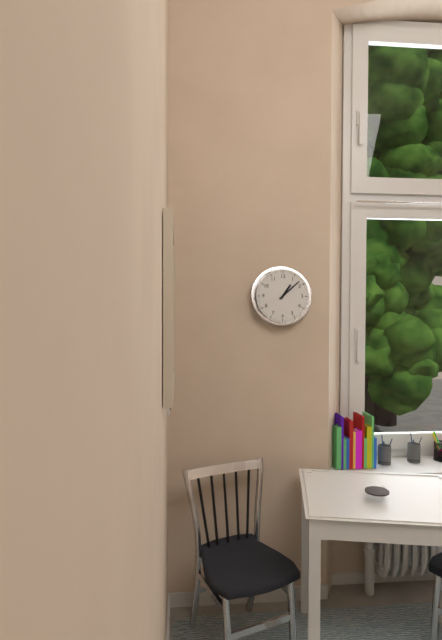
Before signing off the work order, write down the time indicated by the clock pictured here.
1:08
